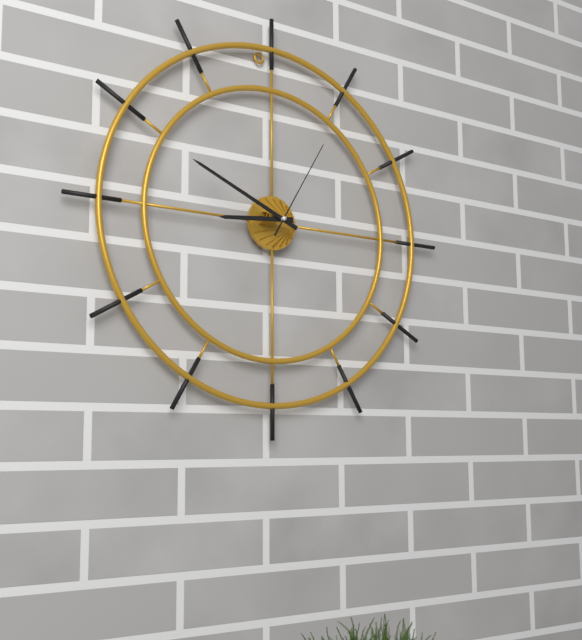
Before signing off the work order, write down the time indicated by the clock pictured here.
8:49:05
